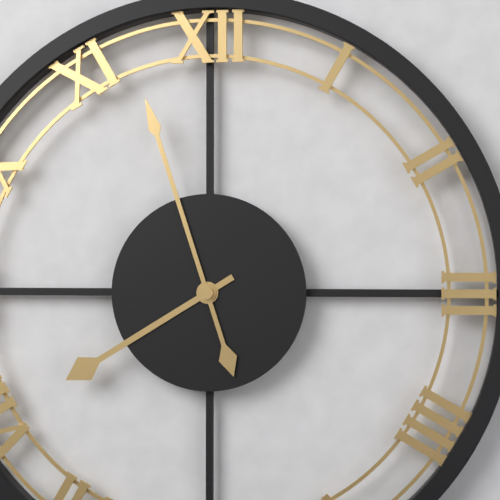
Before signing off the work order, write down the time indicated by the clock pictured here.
7:57
